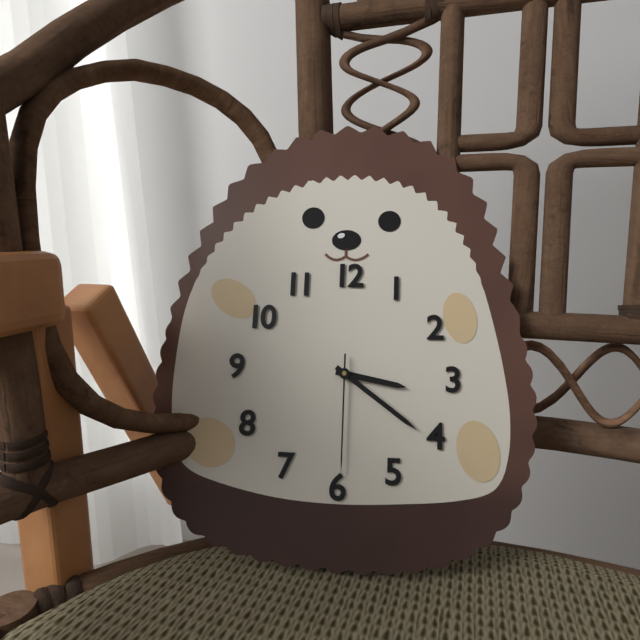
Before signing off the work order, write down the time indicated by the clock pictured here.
3:21:30
